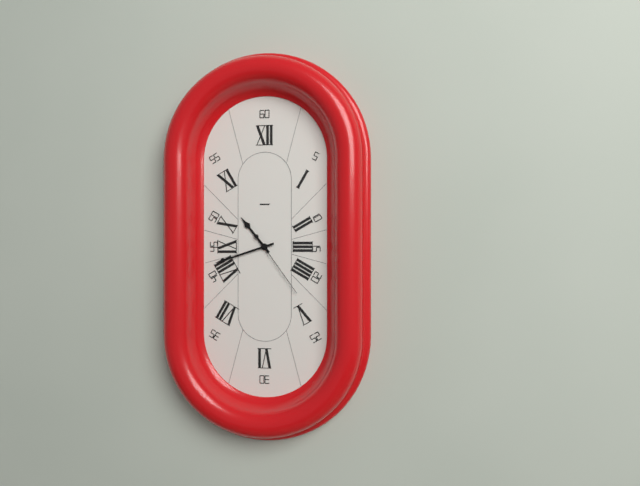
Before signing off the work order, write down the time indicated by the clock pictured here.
10:42:24
